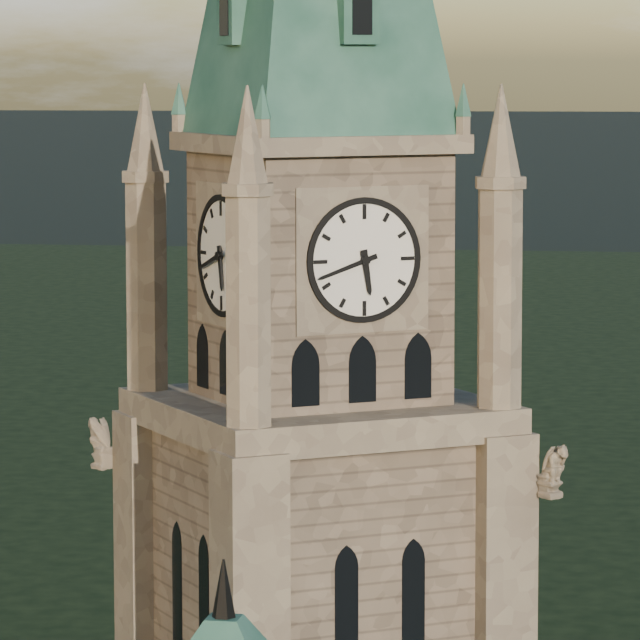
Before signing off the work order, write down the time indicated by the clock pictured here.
5:42
